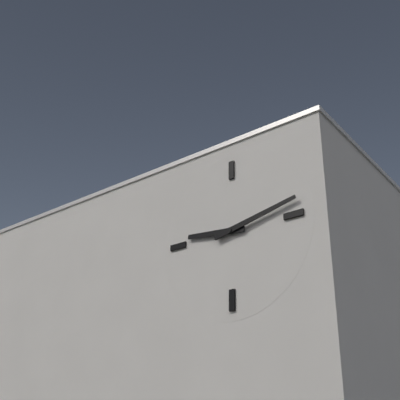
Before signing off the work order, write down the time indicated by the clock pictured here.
9:13
